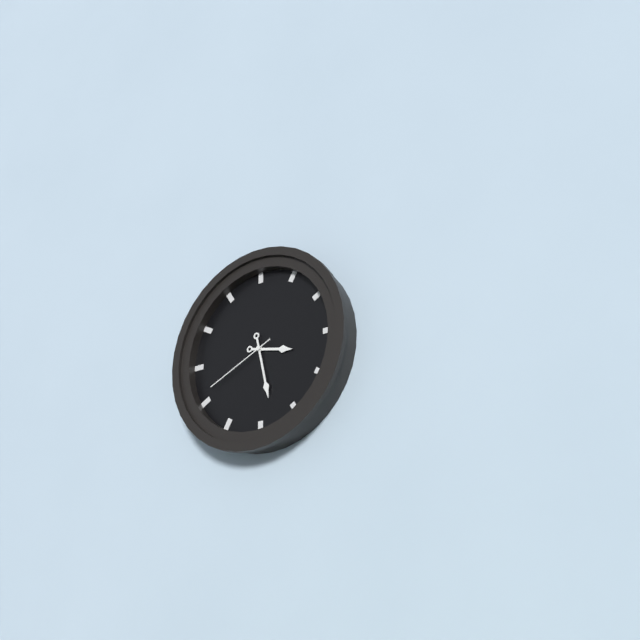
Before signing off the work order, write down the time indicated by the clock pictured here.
3:28:41
